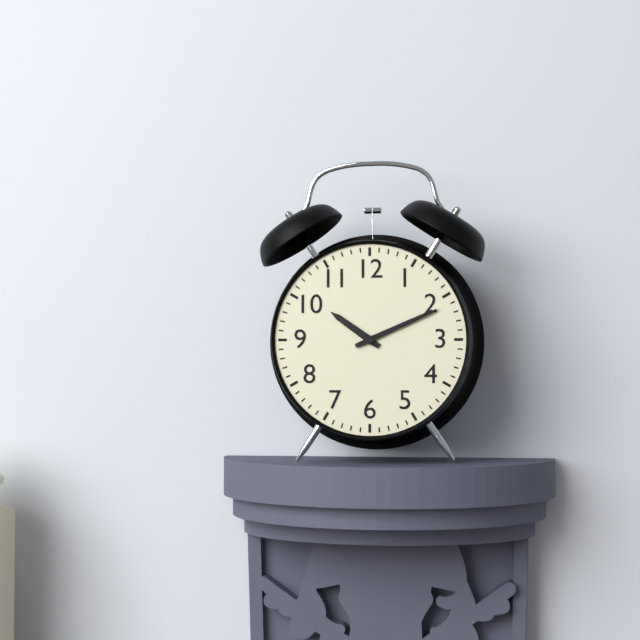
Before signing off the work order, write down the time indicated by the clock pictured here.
10:11
